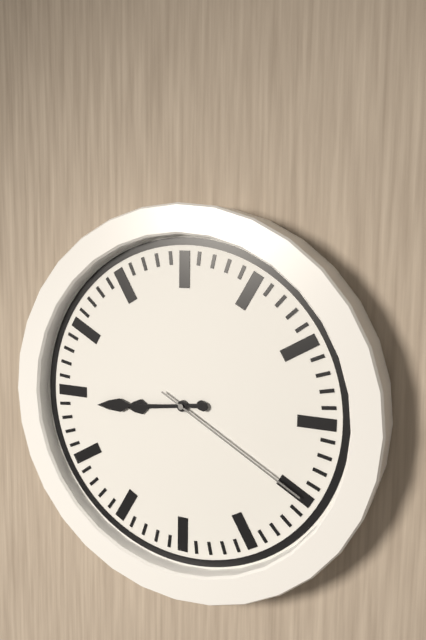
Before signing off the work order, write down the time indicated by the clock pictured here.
8:44:20
